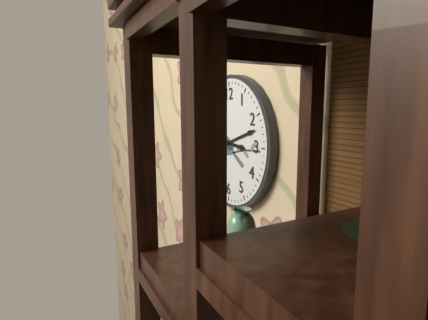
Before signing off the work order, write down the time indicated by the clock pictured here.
3:12
